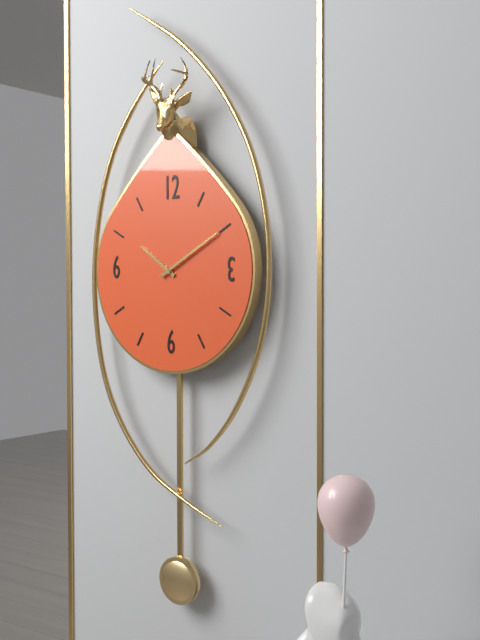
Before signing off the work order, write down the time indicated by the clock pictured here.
10:10
